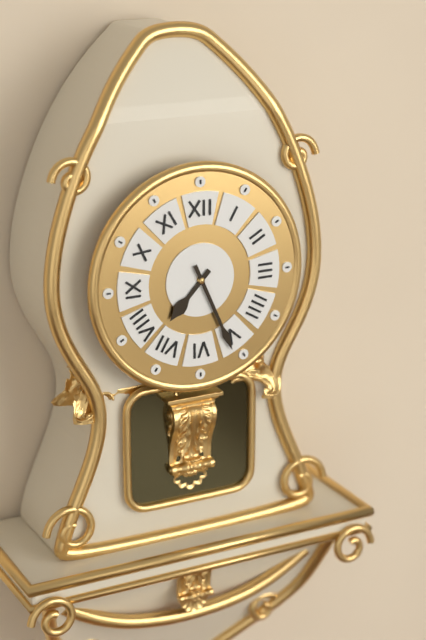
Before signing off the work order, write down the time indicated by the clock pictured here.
7:26
